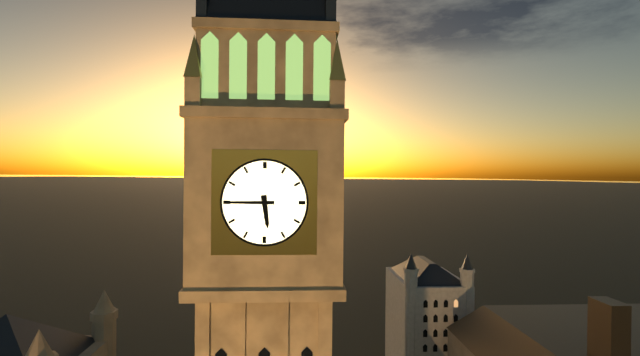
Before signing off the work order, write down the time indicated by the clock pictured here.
5:45
